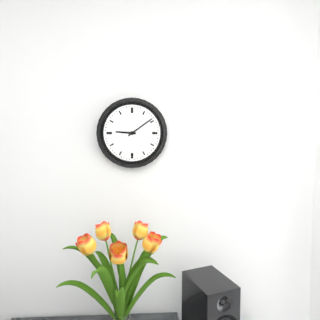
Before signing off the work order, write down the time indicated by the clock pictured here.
9:09
